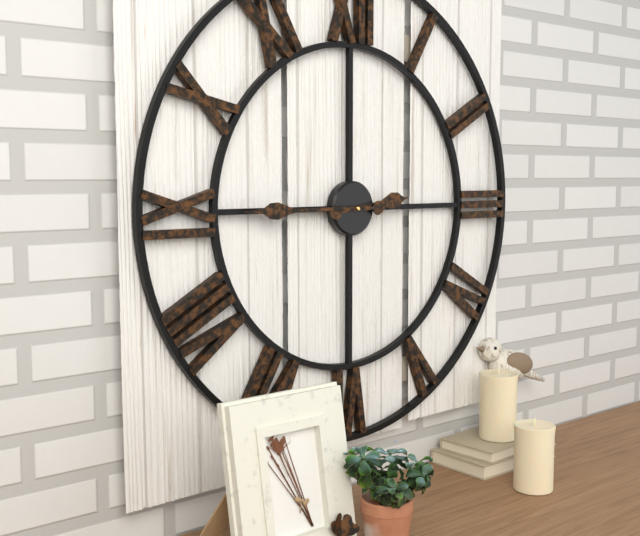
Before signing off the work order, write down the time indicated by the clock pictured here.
2:45
